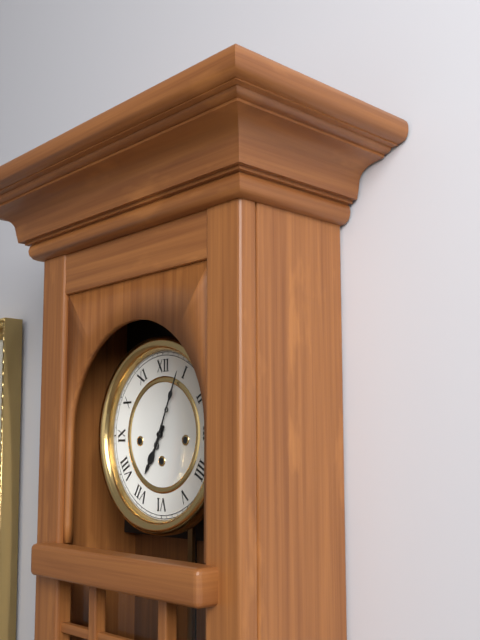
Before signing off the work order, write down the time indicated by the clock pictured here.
7:04
